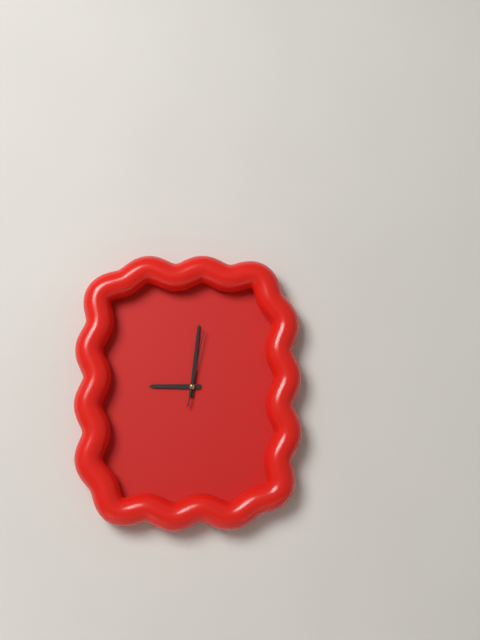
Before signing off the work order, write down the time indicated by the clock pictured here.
9:01:02
